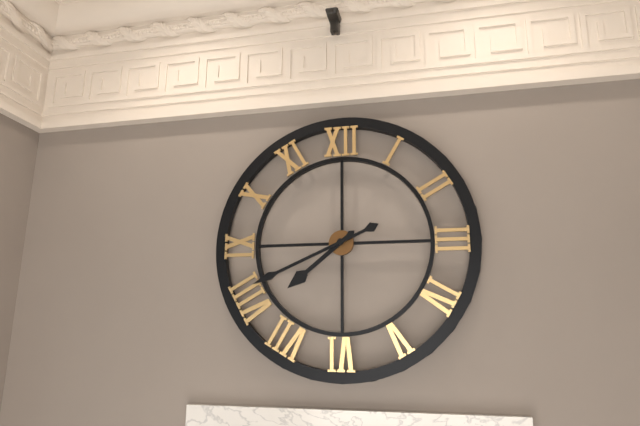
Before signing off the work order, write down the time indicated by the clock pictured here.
7:41
